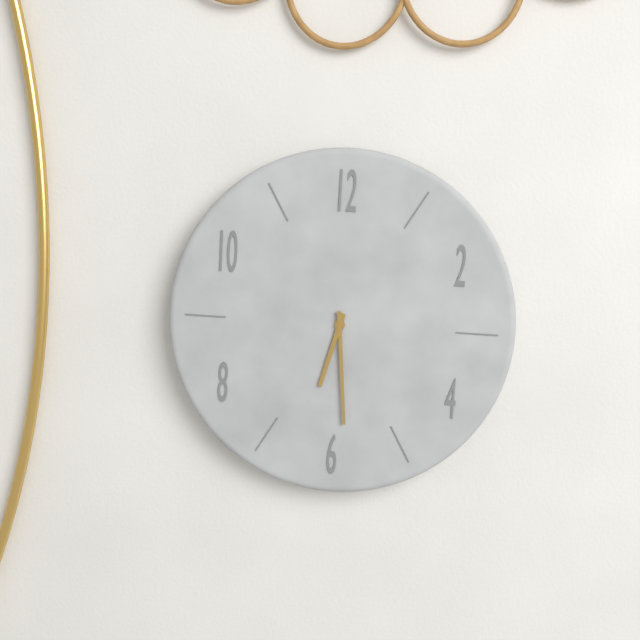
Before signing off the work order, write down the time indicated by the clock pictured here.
6:29
